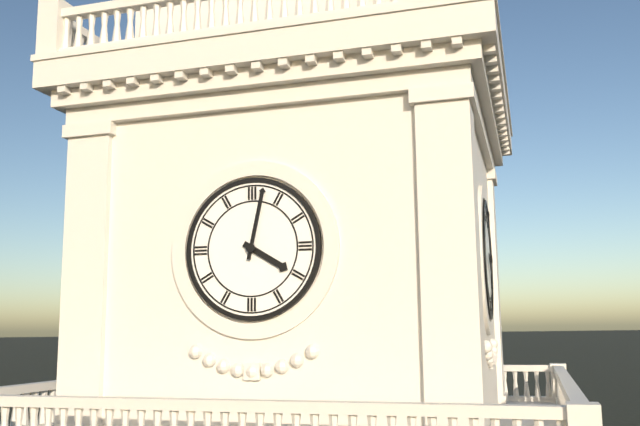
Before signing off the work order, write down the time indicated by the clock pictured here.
4:02
